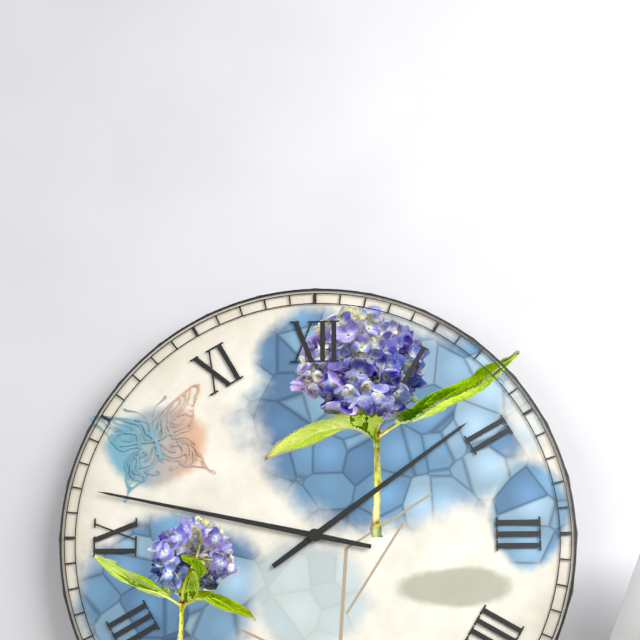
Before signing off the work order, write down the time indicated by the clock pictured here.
1:47
